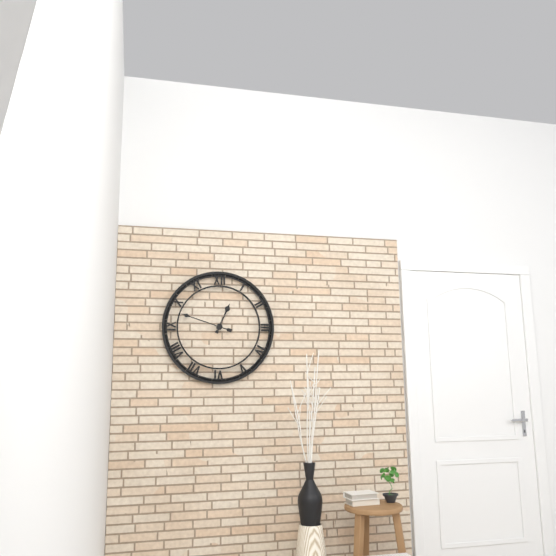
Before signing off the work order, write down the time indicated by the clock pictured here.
12:48
